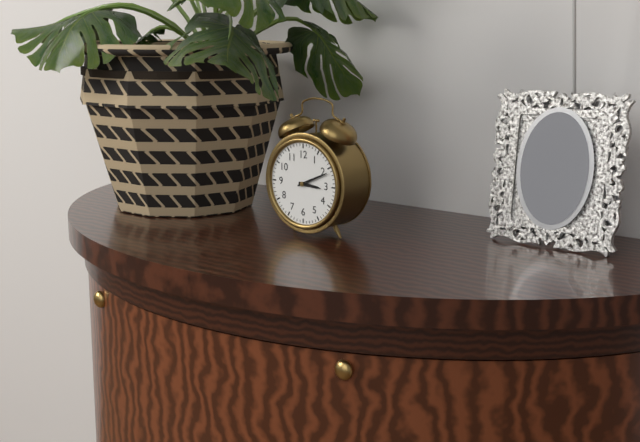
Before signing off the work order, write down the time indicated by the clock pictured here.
3:11
